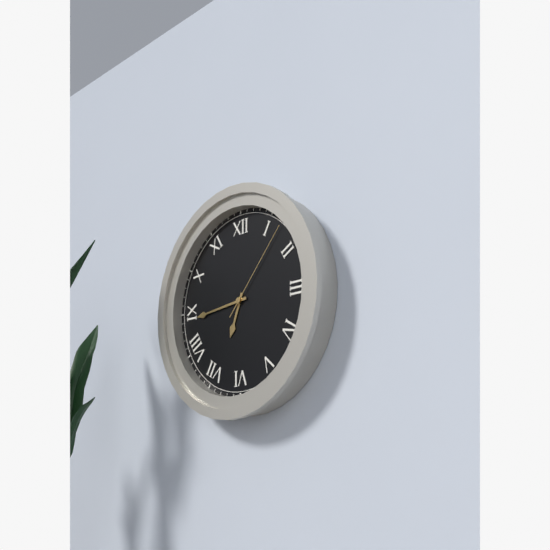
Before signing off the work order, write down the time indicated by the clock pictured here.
6:44:07
